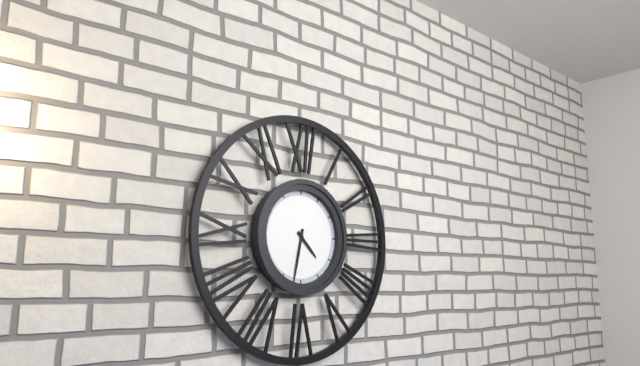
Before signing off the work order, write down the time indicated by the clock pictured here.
4:32
